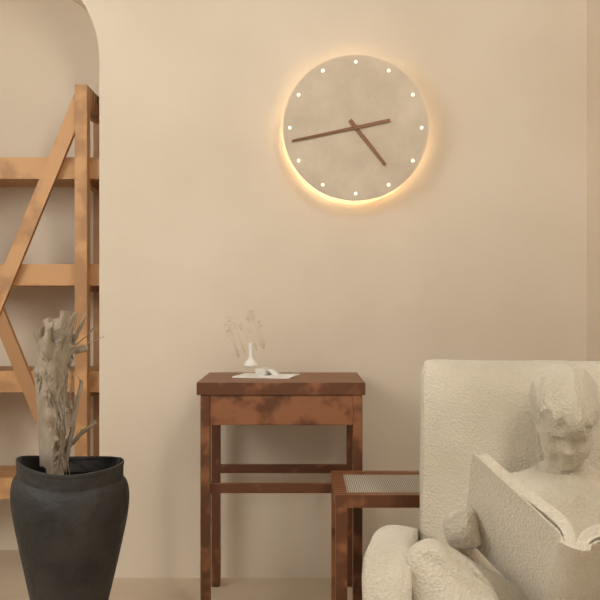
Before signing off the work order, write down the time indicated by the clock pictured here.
4:43
